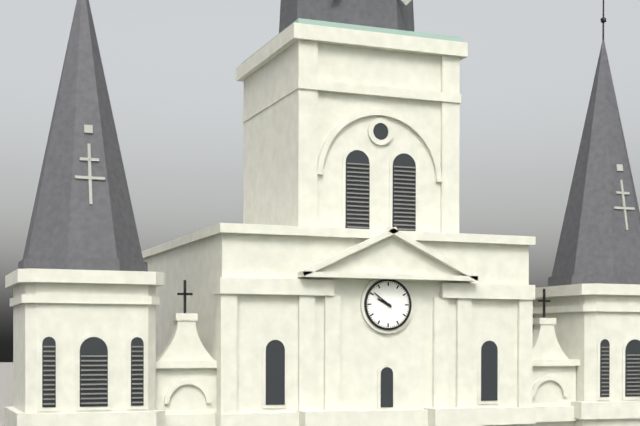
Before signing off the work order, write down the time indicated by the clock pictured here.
9:51
